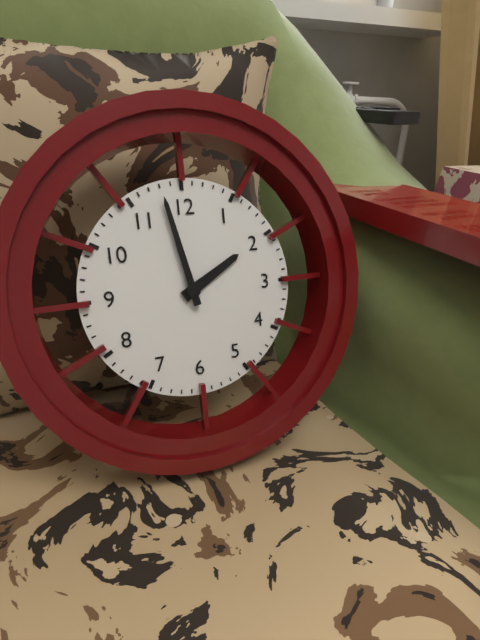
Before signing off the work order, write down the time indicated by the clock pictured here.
1:58
